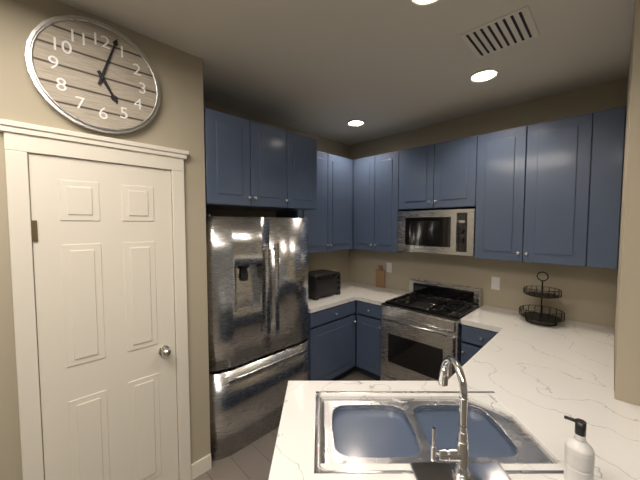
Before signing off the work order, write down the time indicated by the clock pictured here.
5:03
